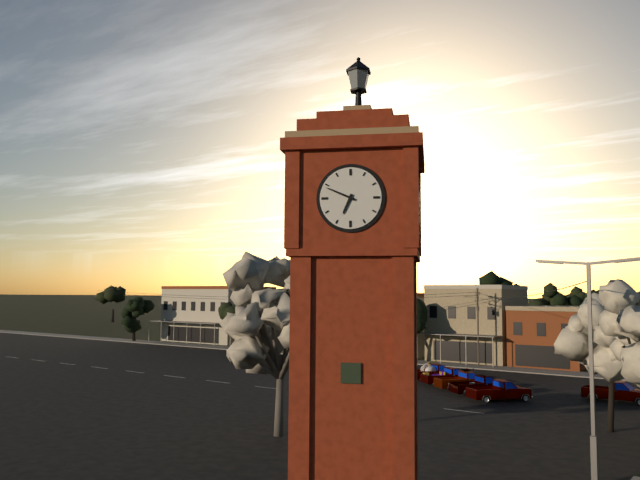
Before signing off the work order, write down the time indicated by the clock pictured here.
6:49
